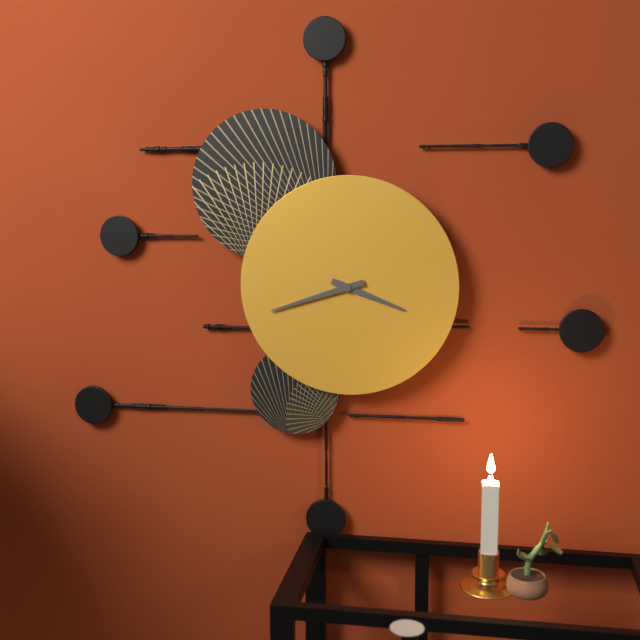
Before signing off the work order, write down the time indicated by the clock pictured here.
3:42
